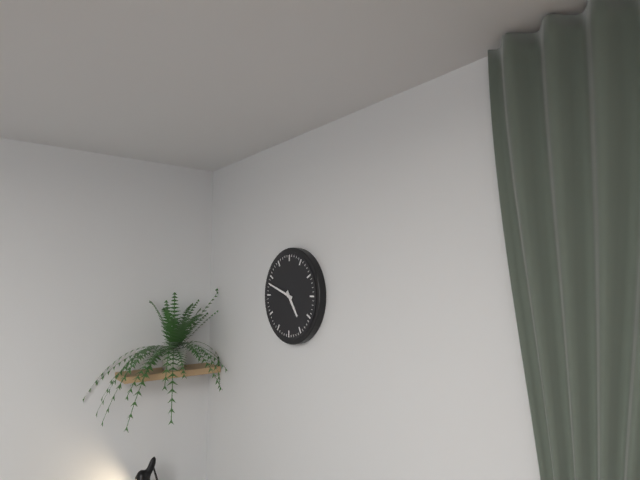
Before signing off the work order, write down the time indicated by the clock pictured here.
4:48
